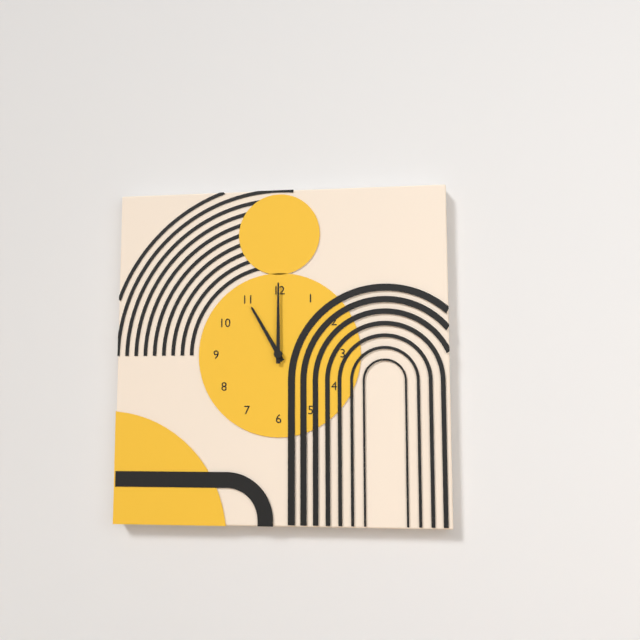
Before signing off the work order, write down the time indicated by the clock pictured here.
11:00
